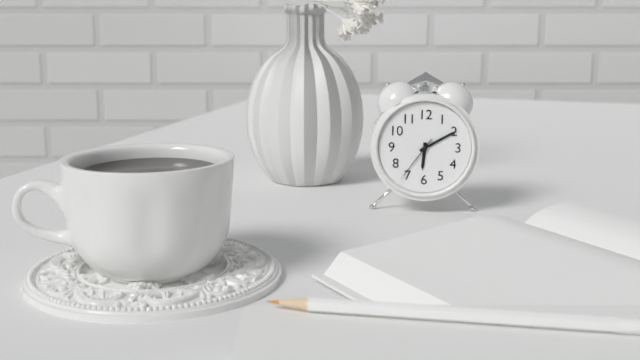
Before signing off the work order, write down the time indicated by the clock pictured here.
6:10
